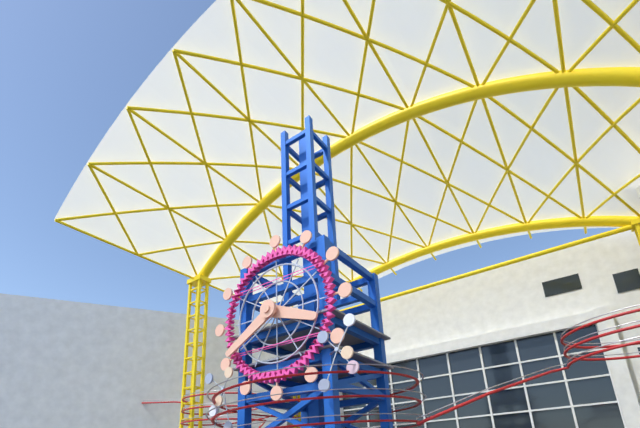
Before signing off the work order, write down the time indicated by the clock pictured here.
3:40
